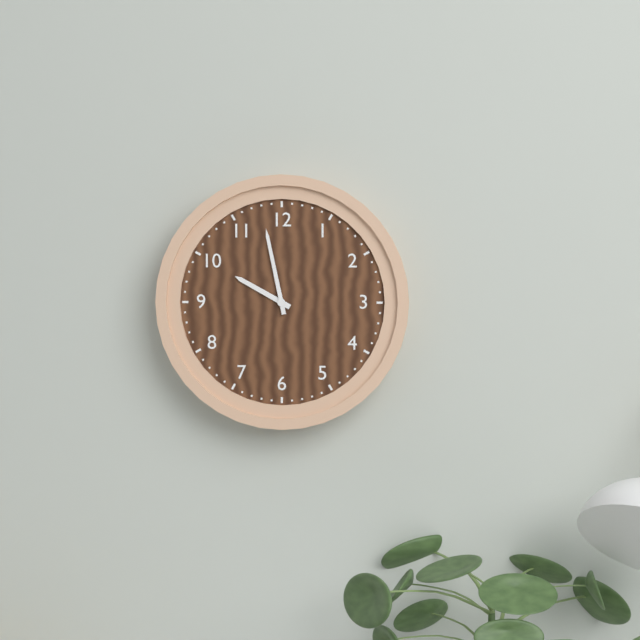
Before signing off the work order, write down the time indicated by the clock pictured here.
9:58
